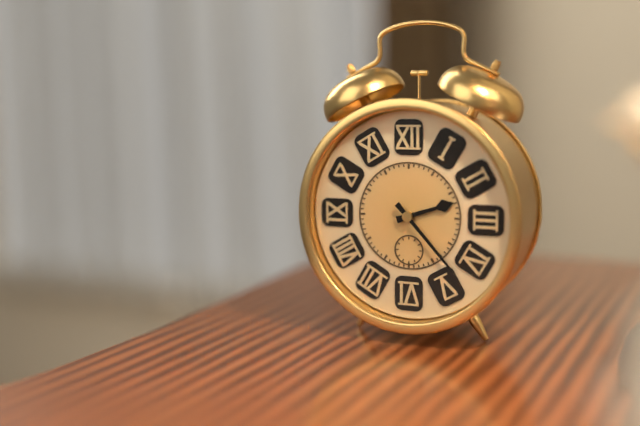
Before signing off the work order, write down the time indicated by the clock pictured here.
2:23
